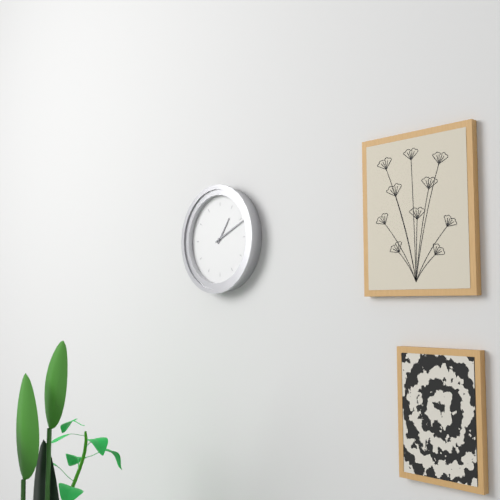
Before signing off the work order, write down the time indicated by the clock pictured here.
1:11
